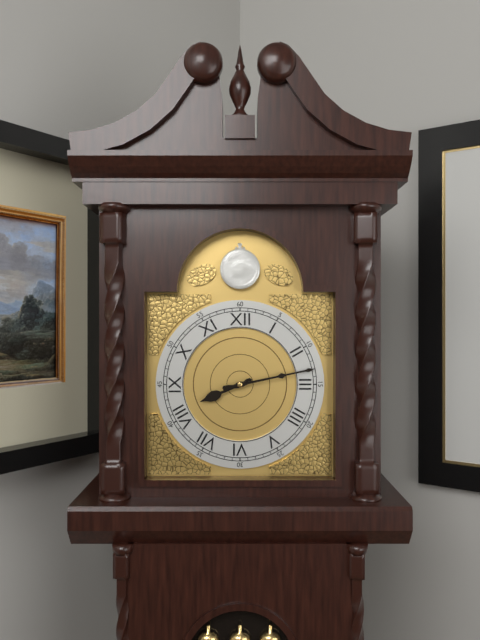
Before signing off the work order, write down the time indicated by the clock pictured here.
8:13
